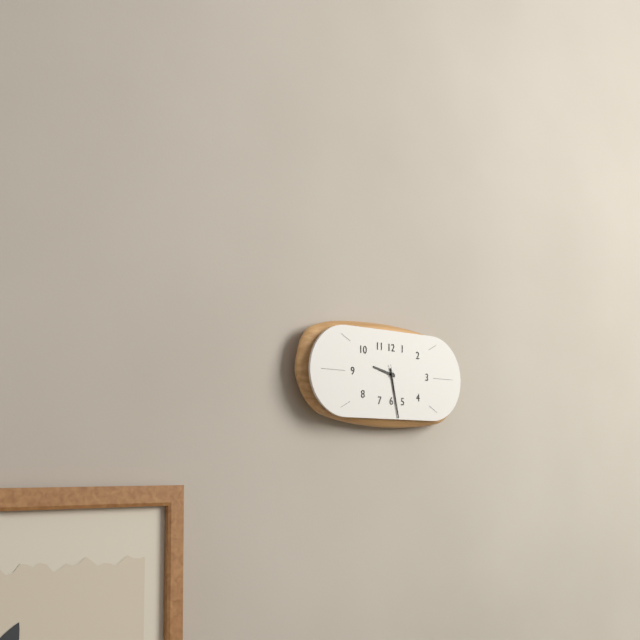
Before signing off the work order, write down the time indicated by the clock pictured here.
9:28
